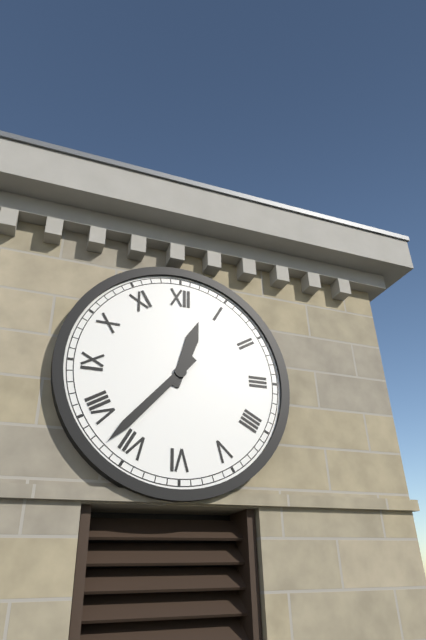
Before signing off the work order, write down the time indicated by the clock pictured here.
12:37
